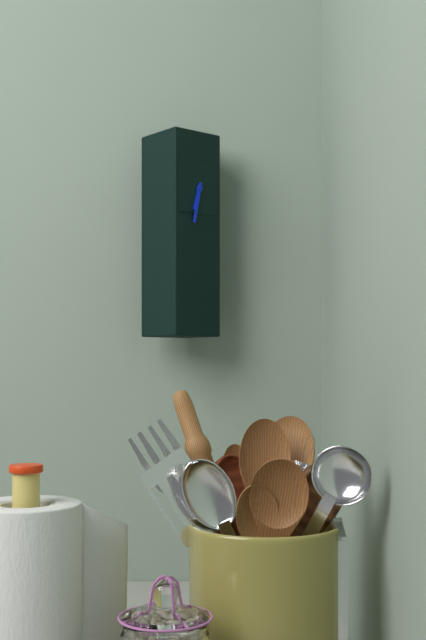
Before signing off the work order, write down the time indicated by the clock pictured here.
6:32
